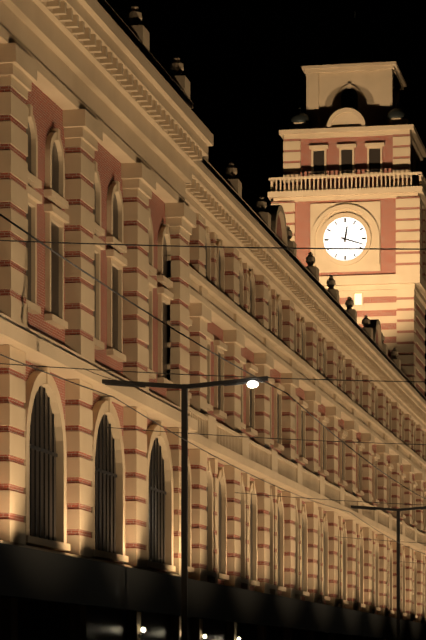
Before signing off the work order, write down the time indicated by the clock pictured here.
12:18
